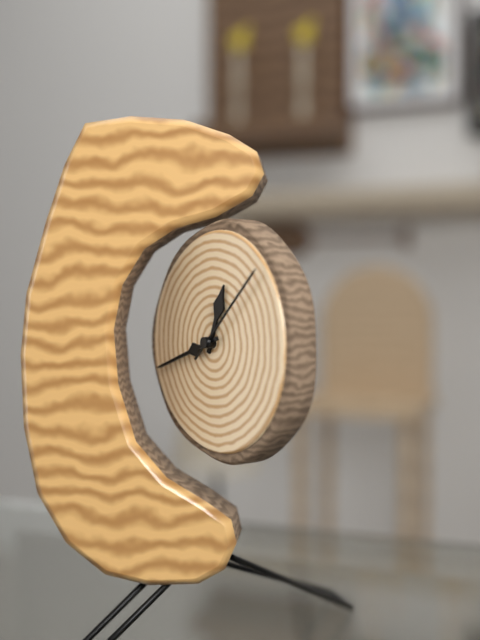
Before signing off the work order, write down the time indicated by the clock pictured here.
12:42:08
